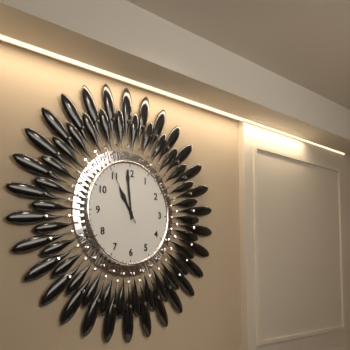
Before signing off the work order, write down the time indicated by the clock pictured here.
10:59:55
